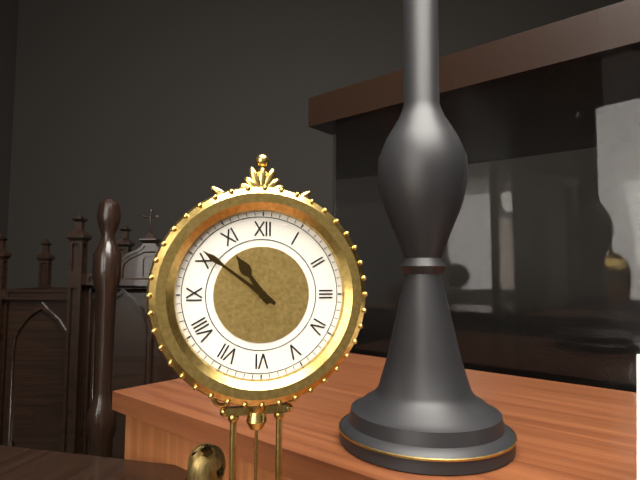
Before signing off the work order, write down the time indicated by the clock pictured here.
10:51
